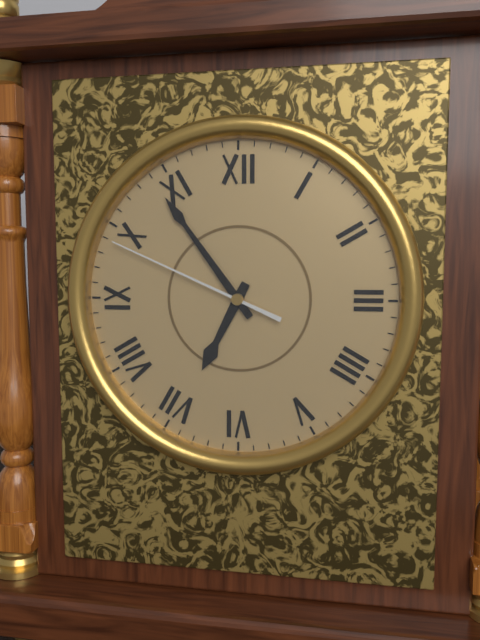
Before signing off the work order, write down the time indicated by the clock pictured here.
6:54:49
